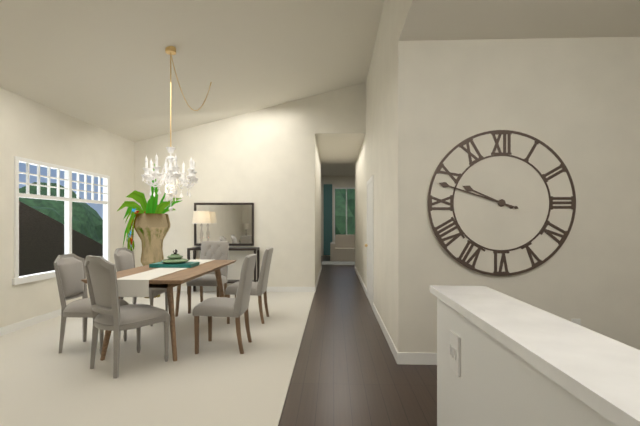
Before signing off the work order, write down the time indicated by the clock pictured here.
9:48
